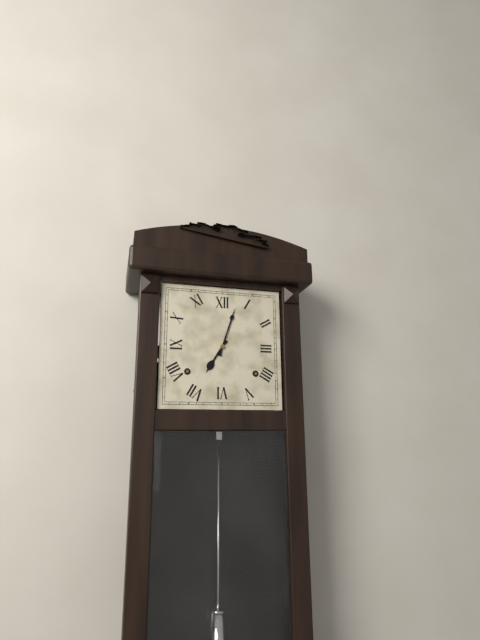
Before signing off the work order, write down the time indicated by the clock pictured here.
7:03
